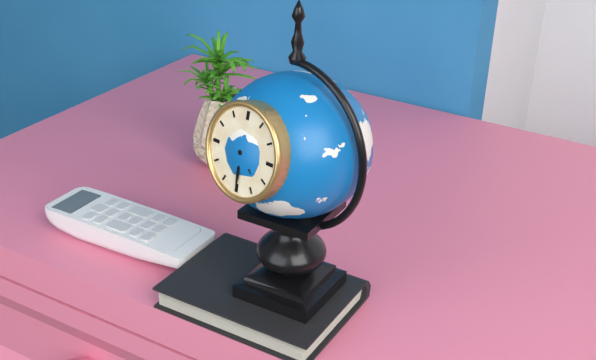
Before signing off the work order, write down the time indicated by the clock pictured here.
4:30
